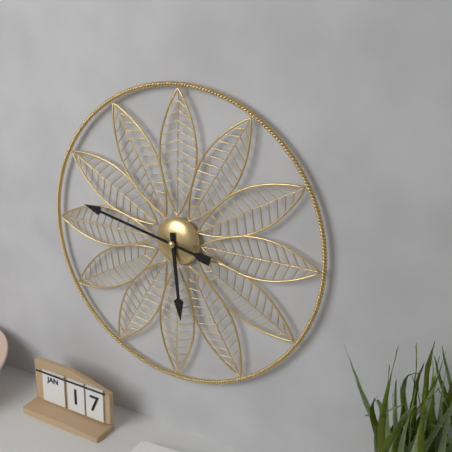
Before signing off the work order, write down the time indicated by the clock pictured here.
5:47
